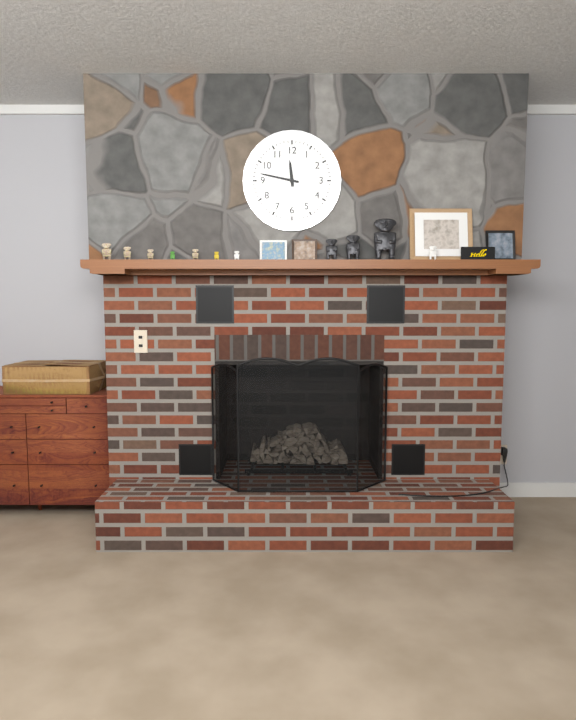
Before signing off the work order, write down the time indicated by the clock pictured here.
11:47
